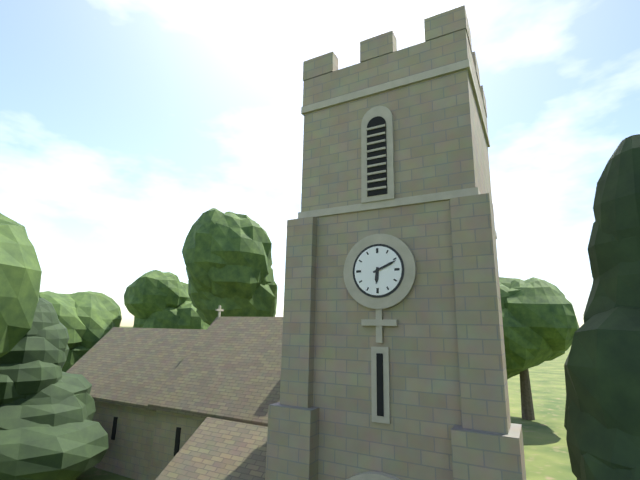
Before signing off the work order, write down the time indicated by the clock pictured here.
6:11
